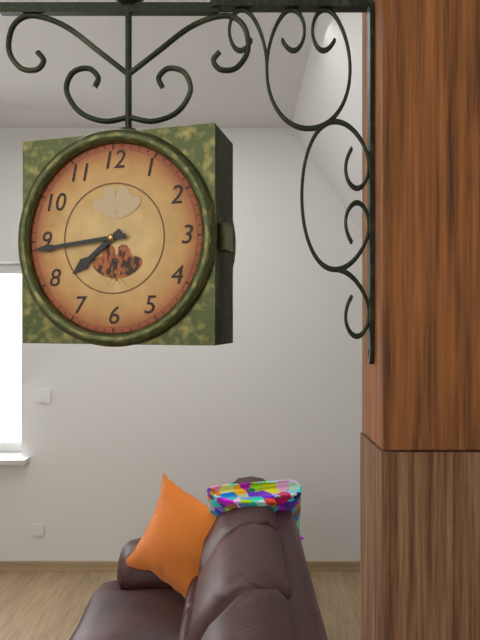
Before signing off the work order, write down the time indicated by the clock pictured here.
7:44
